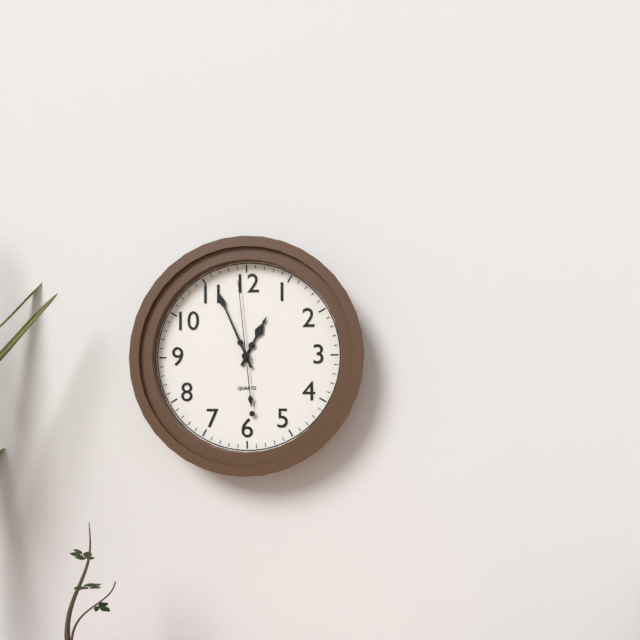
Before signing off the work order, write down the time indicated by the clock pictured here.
12:56:59
